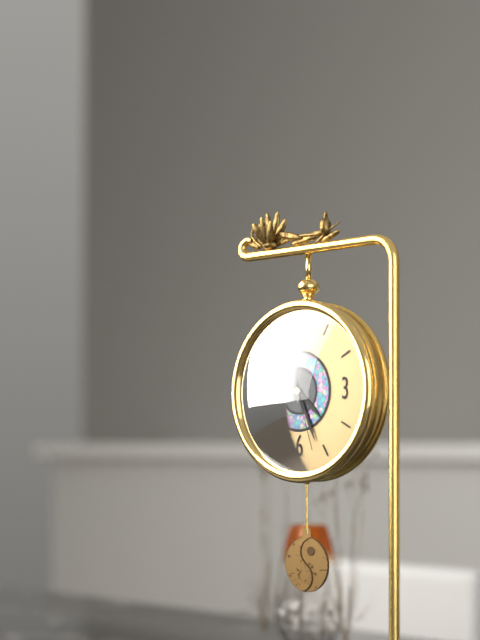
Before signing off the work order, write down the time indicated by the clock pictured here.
4:26:27
